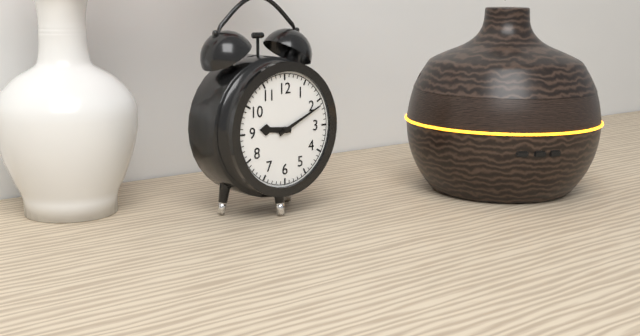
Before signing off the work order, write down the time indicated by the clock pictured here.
9:11
